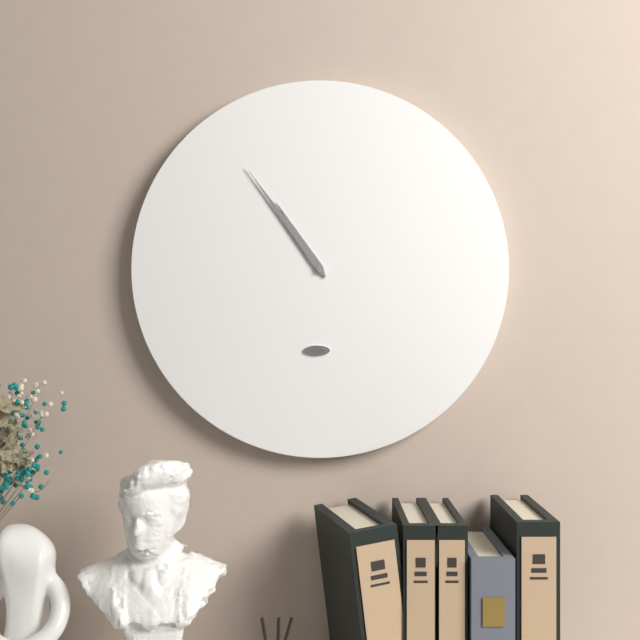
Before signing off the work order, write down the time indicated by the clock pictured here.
10:54
